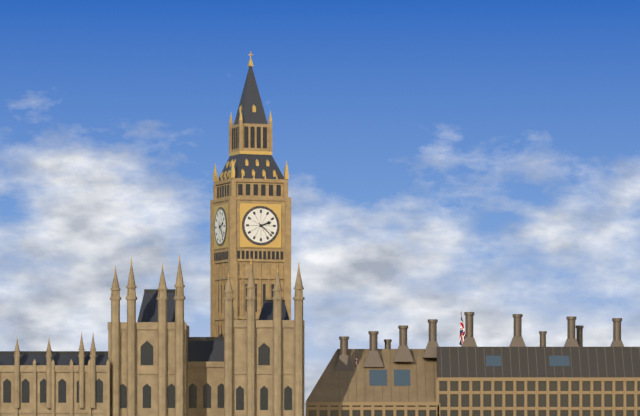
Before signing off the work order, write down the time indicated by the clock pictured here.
2:22
